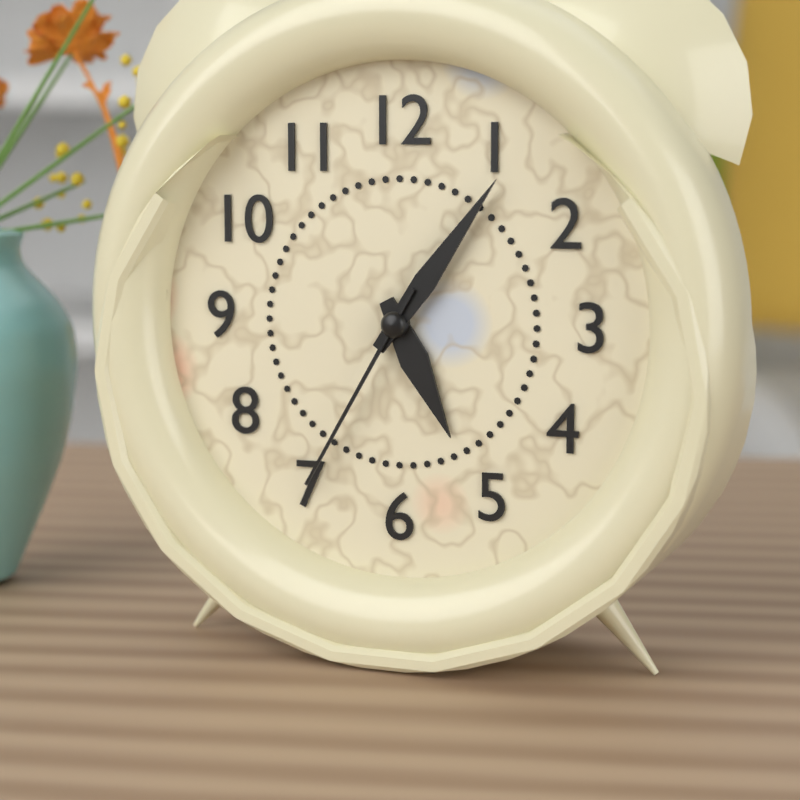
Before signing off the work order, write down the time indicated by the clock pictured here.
5:06:35
